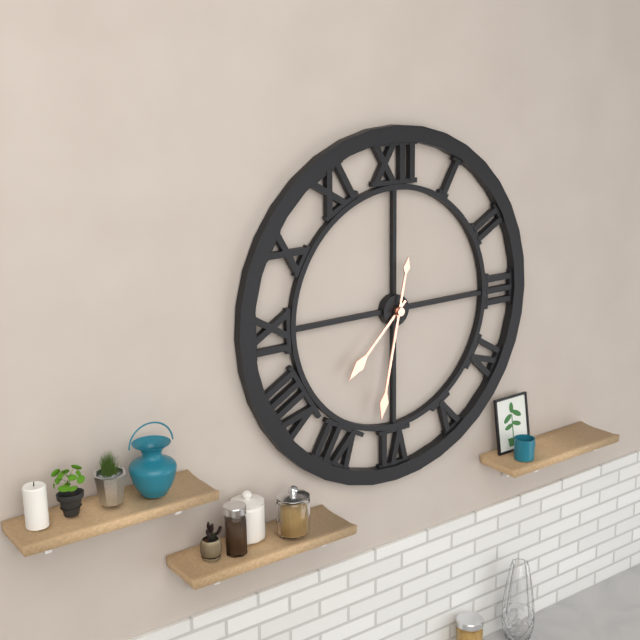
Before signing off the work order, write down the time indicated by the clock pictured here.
7:32
